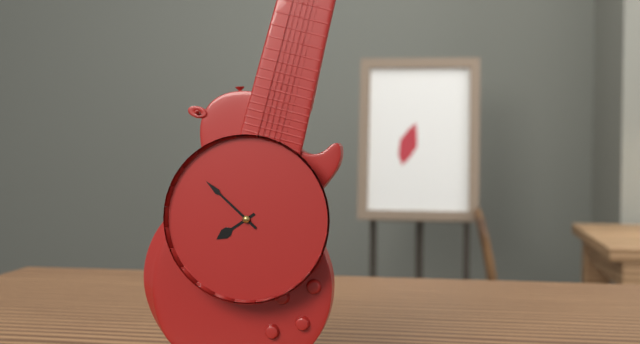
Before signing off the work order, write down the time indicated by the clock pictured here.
7:52
